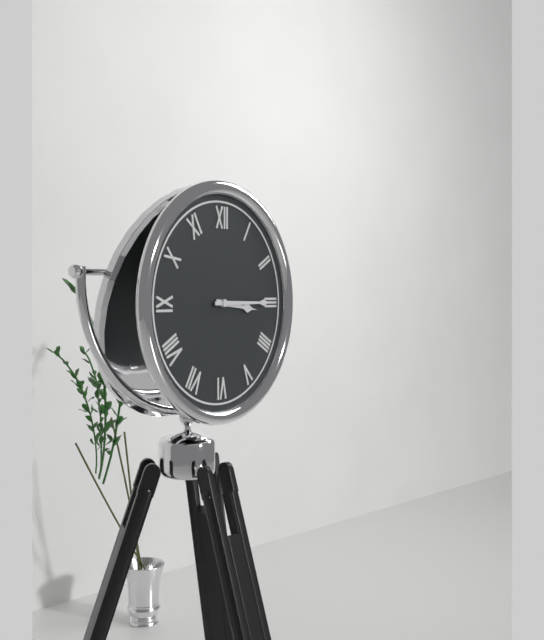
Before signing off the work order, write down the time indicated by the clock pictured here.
3:15
